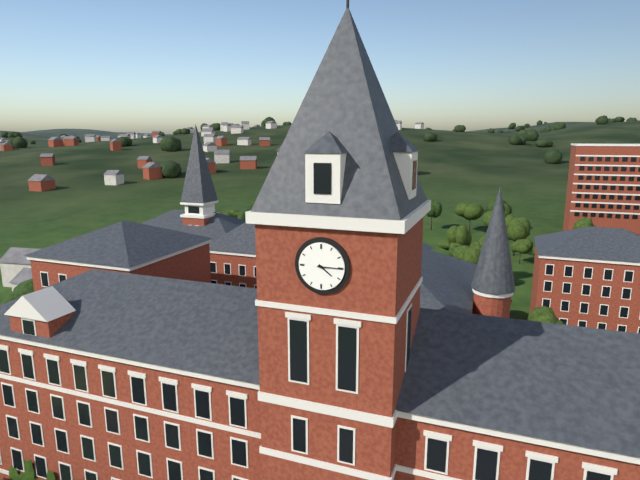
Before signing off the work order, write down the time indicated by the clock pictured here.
4:15
